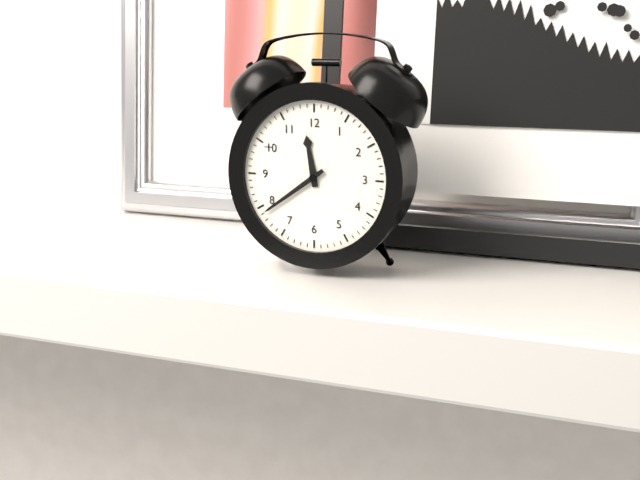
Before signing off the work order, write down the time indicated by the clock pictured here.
11:39
